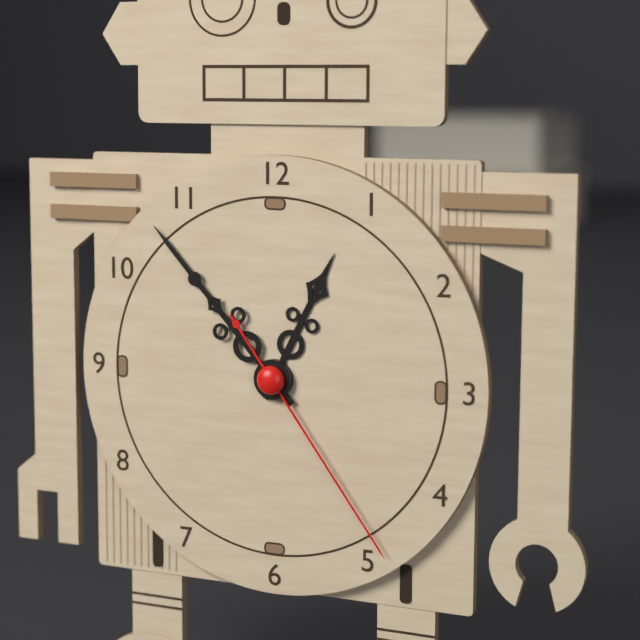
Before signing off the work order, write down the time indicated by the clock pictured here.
12:53:24
